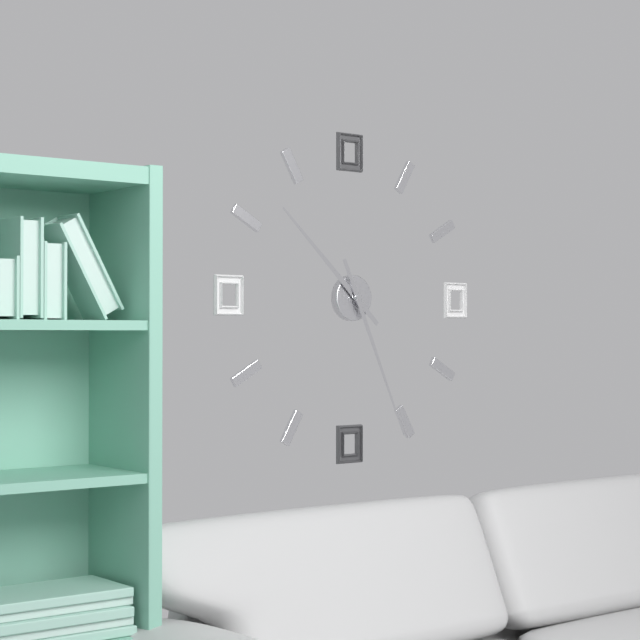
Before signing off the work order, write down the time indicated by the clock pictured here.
10:26
